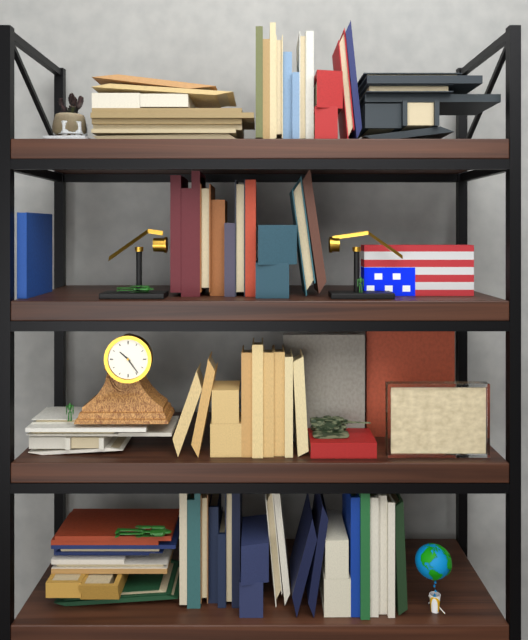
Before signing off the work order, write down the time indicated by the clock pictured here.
10:24
